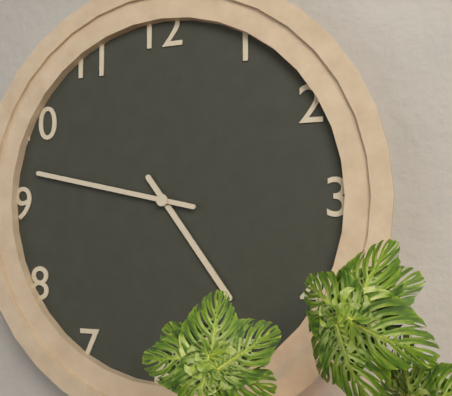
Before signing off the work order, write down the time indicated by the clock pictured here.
4:47
